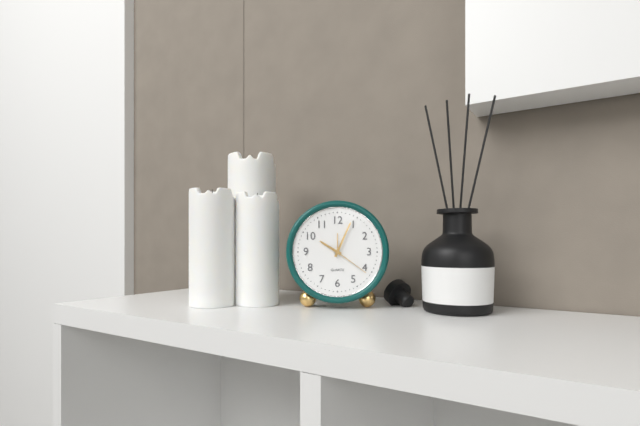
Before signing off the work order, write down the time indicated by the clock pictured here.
10:04
